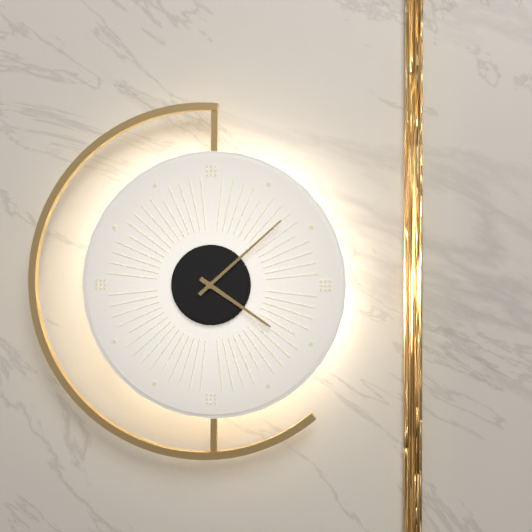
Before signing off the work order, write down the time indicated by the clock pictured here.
4:08
